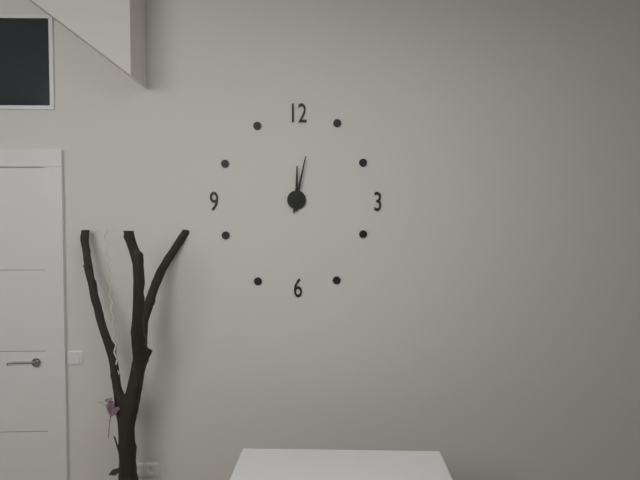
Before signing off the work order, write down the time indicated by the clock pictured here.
12:02
